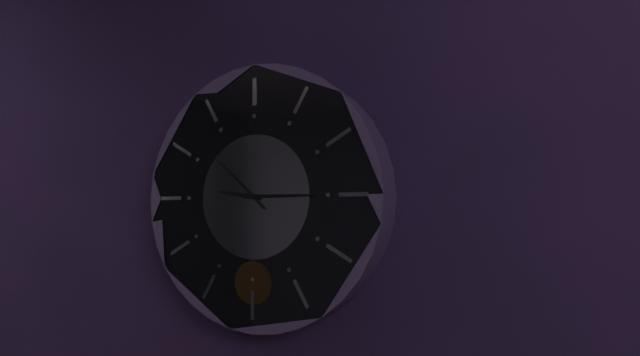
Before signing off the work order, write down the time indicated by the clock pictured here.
9:15:52
